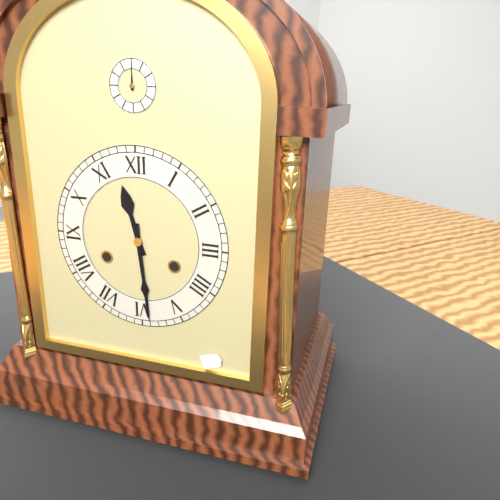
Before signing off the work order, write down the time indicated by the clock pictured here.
11:29
